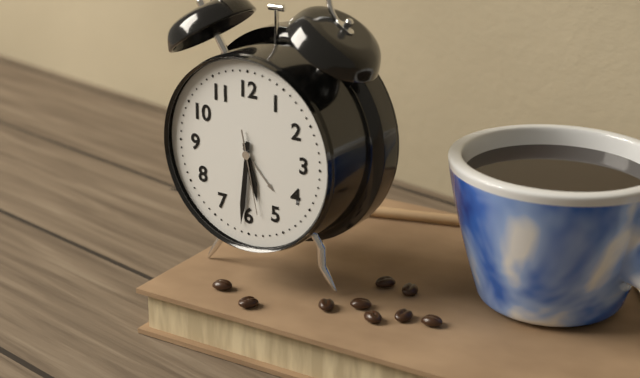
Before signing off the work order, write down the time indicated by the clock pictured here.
5:31:28
